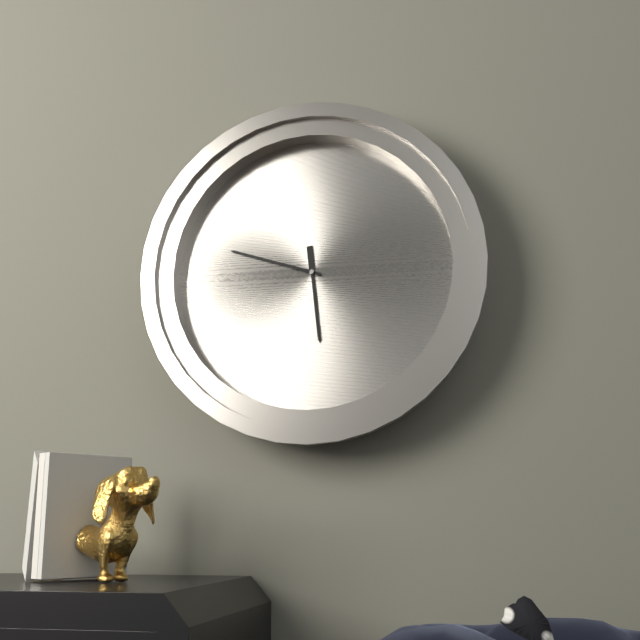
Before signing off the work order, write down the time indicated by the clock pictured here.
5:48
